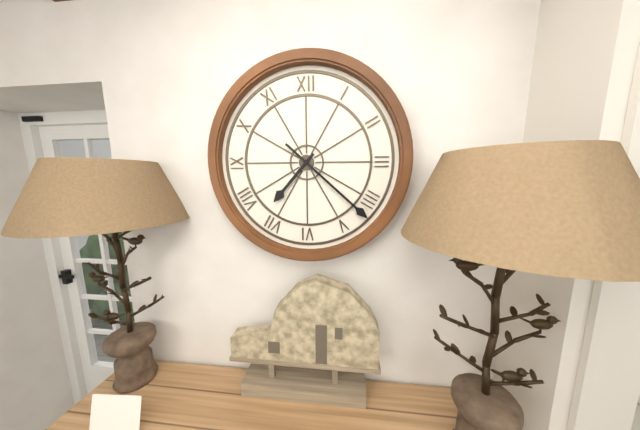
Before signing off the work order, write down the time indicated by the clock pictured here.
7:22
